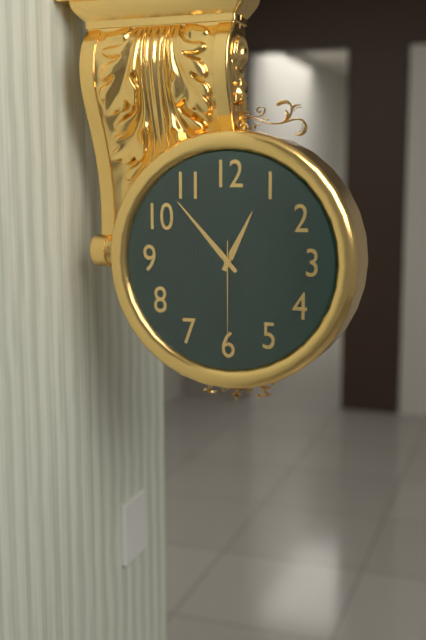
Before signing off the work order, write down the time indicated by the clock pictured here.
12:53:30
